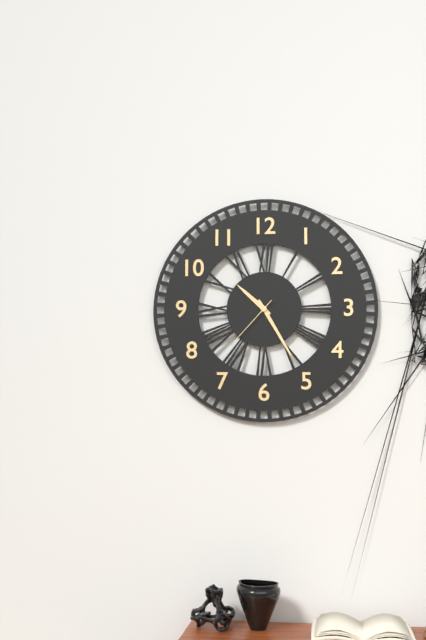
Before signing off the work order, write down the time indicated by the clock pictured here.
10:25:37
